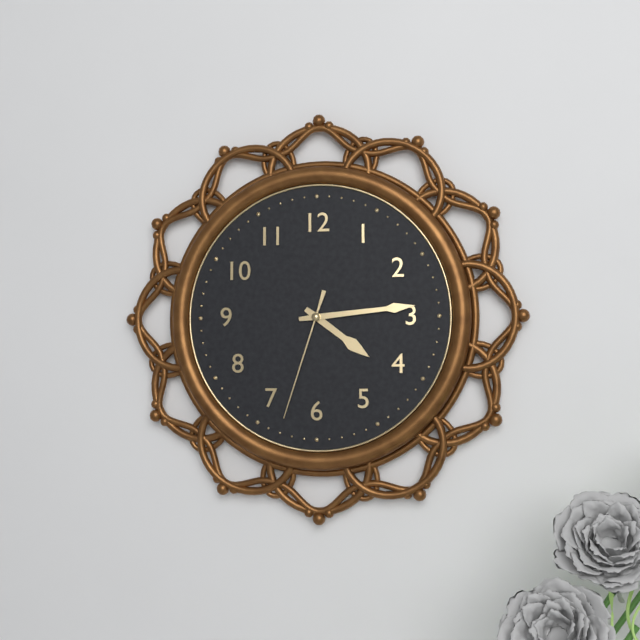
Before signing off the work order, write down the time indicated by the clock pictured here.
4:14:33
